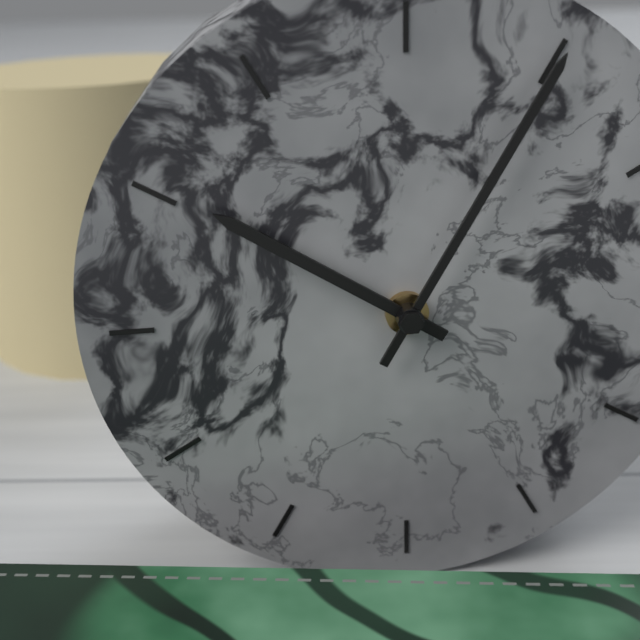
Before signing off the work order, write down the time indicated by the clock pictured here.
10:05
